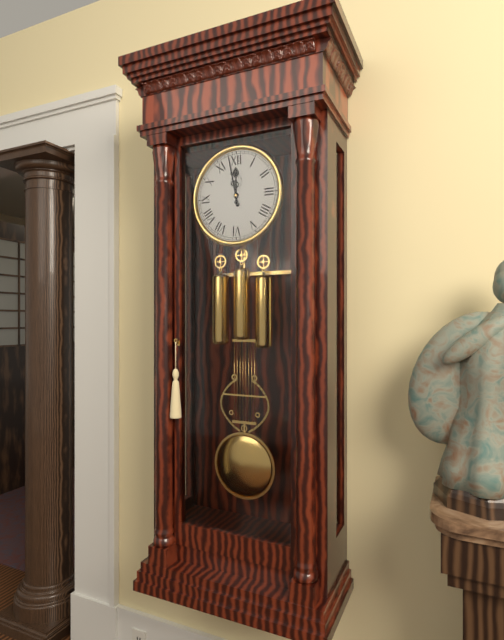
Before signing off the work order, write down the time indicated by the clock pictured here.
11:58
